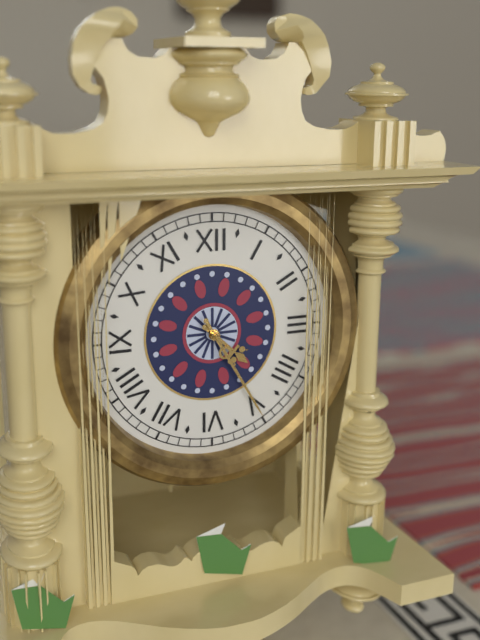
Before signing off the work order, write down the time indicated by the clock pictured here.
4:25
